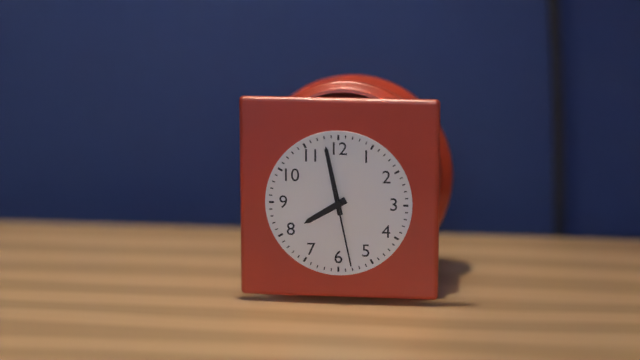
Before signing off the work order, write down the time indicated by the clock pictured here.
7:58:28
